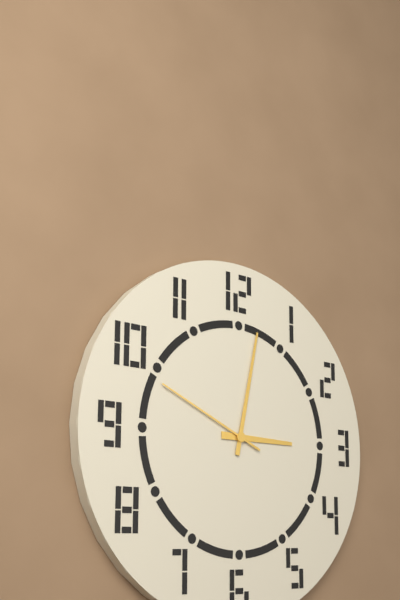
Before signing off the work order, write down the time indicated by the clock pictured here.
3:02:49
